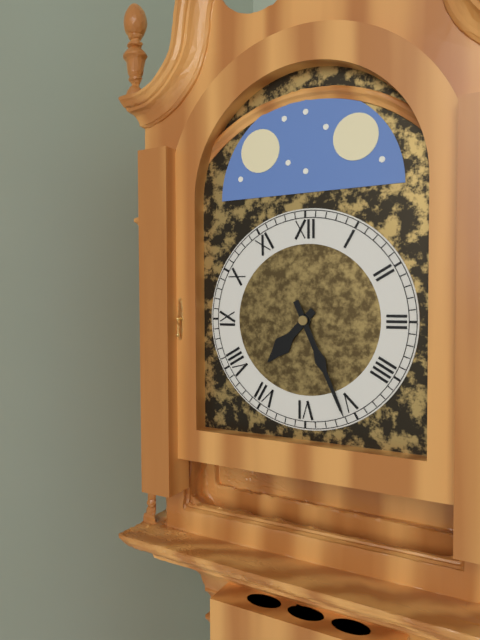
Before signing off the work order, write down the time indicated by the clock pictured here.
7:26
